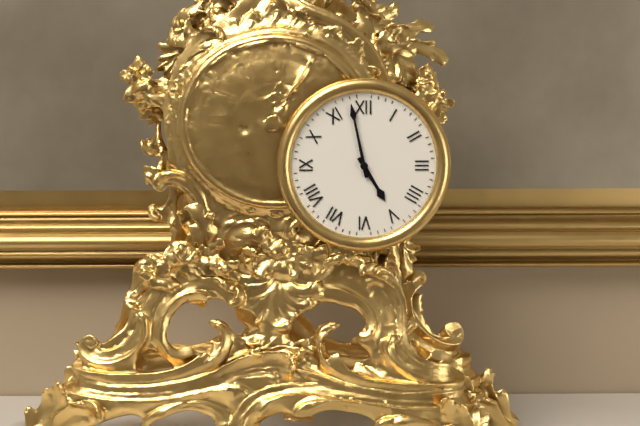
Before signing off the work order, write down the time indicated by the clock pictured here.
4:58
